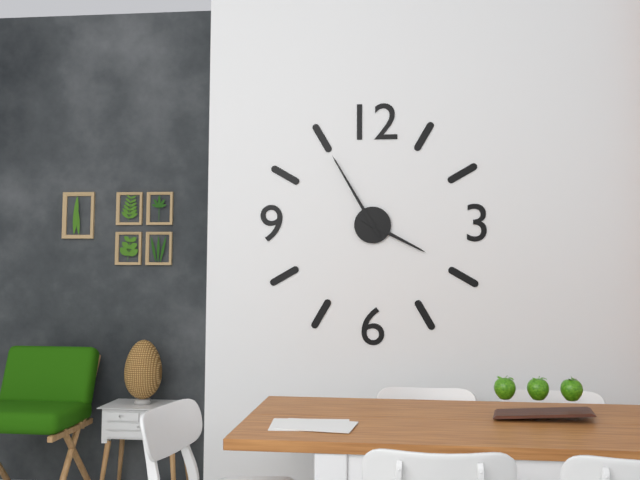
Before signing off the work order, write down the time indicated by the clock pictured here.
3:55
